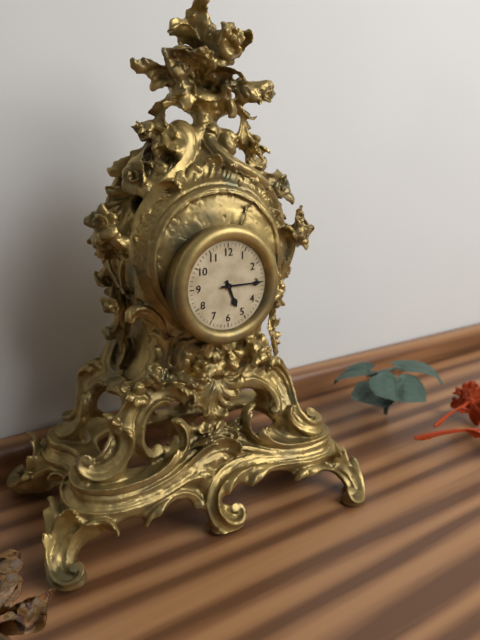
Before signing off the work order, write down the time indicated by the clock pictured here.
5:15
